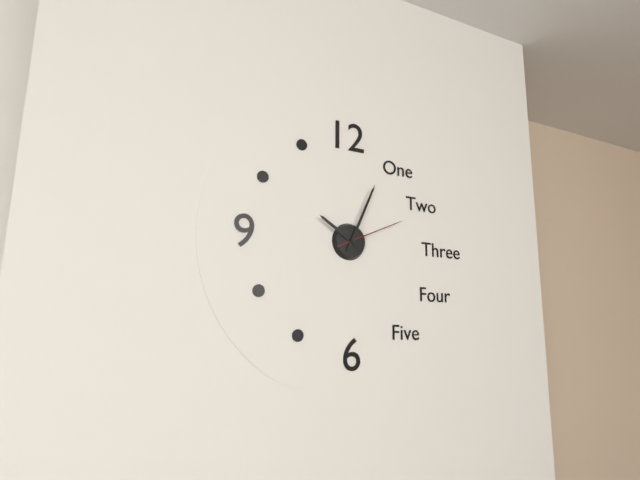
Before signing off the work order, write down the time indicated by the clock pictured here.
10:04:11
